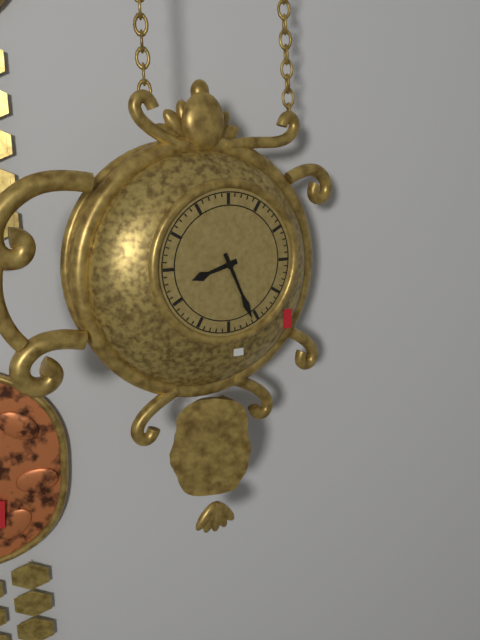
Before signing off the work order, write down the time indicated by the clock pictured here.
8:26
